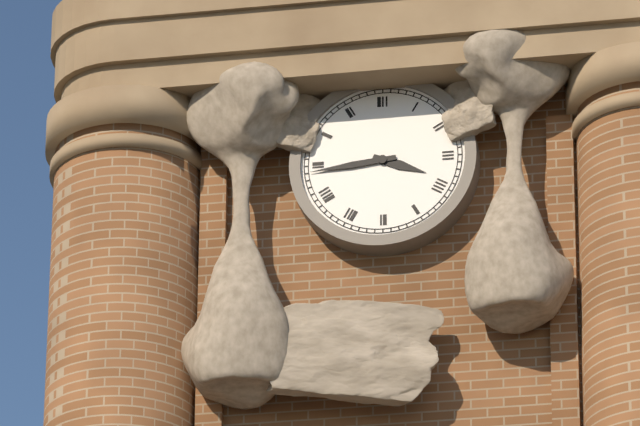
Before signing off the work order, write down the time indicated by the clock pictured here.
3:44
